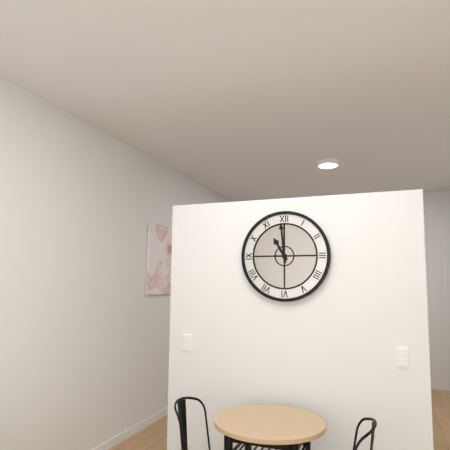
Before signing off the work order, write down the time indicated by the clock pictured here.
10:59
